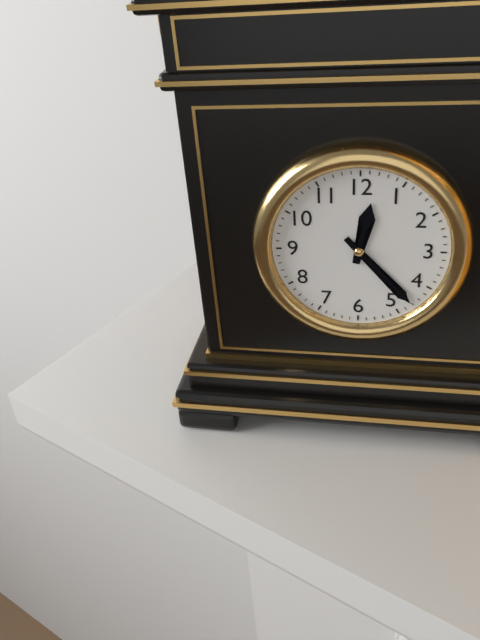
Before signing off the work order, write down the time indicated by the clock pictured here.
12:23
